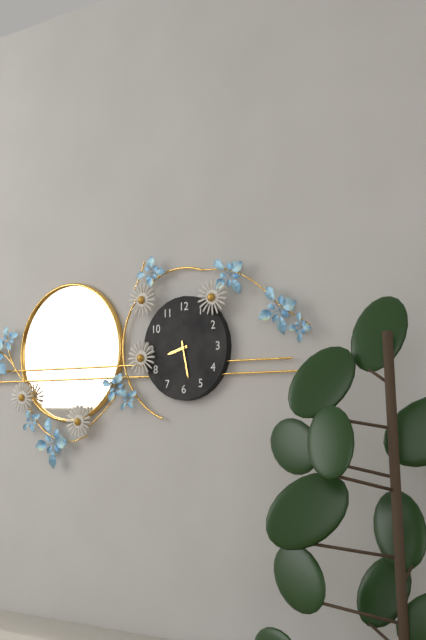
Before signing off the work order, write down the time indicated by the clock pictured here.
8:28
